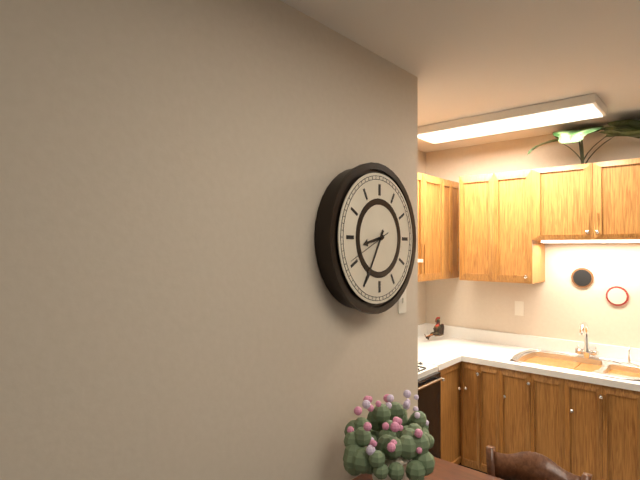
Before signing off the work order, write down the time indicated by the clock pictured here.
8:35
